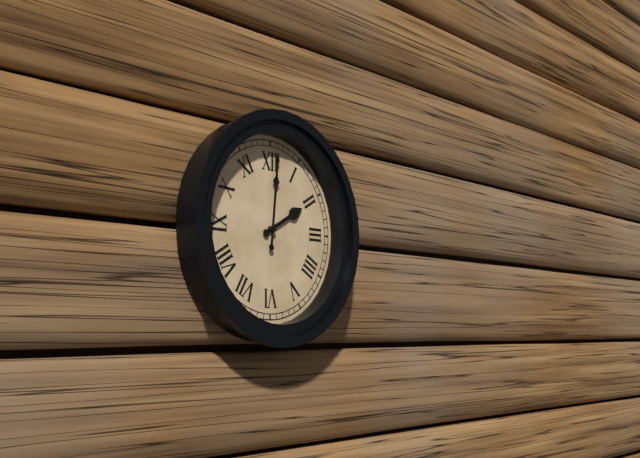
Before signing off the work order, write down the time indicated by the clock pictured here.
2:01
